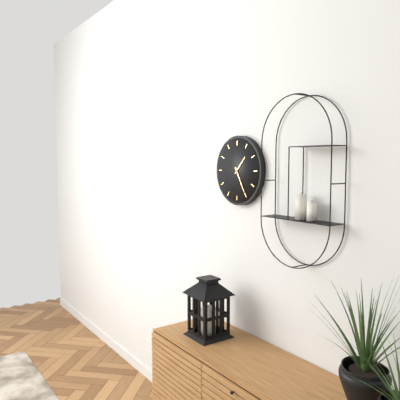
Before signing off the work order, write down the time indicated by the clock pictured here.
1:25
